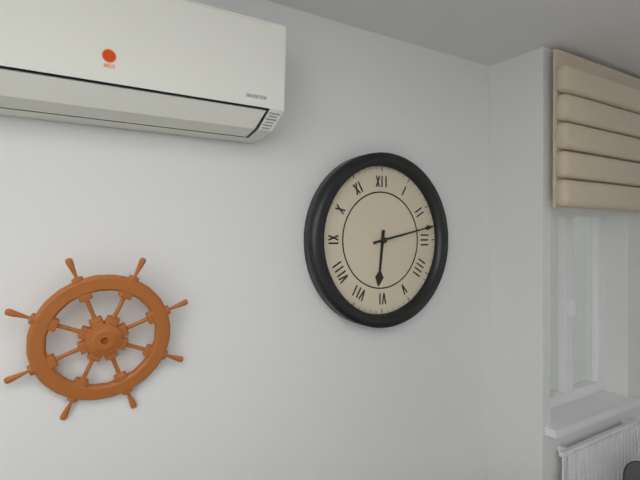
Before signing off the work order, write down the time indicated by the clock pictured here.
6:13
